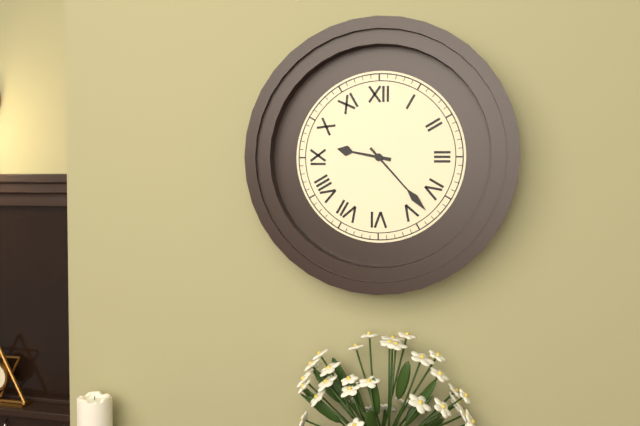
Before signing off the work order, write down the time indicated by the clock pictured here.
9:23
